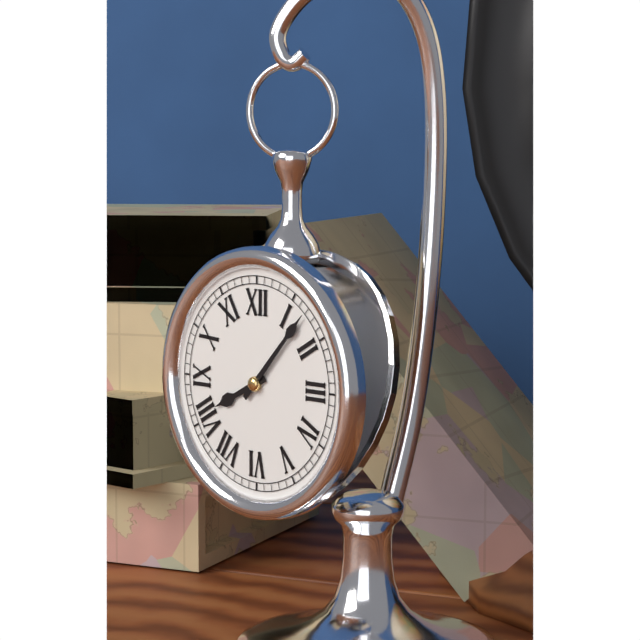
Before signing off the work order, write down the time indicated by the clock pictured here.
8:07
